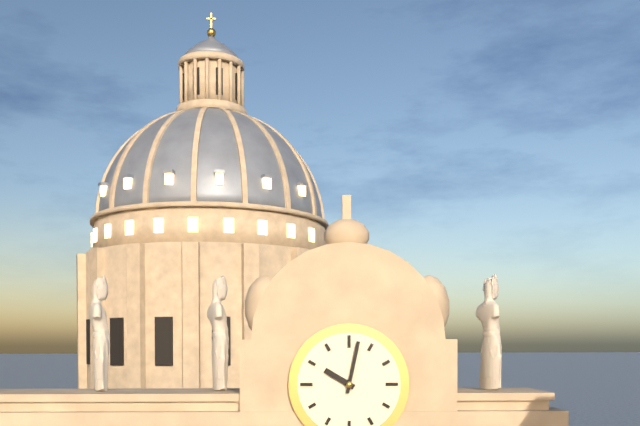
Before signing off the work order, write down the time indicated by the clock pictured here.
10:02
